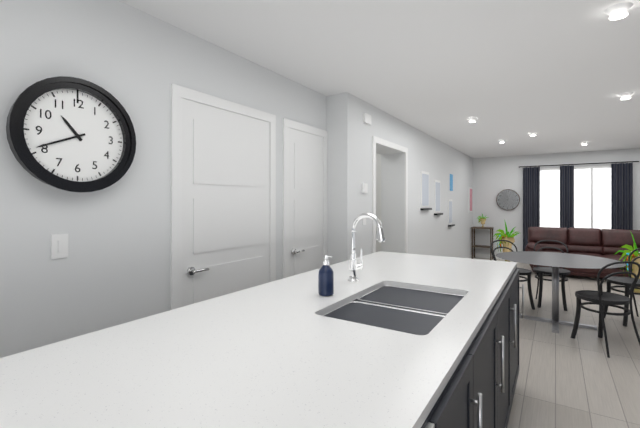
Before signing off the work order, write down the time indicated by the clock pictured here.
10:41
